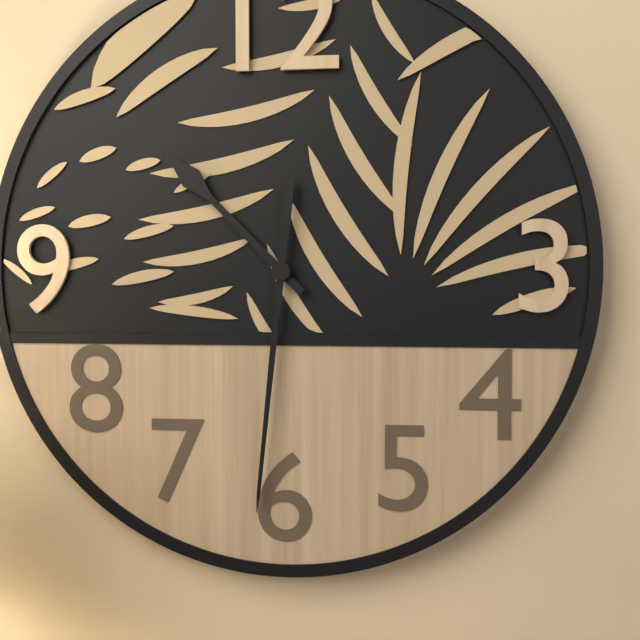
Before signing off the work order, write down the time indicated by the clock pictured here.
10:31
